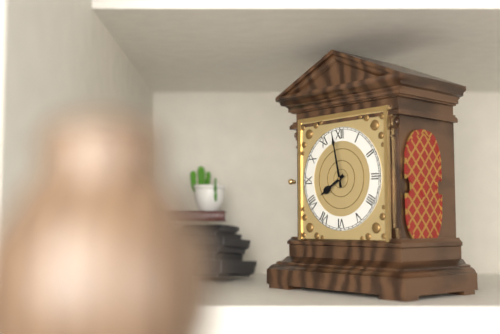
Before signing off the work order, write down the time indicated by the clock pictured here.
7:58
